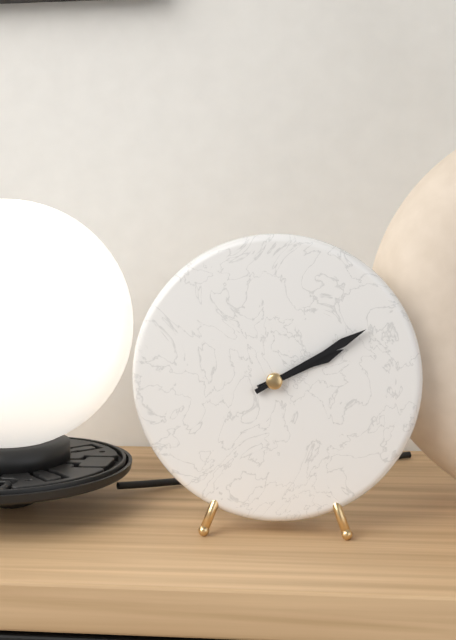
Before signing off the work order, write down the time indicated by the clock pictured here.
2:10
